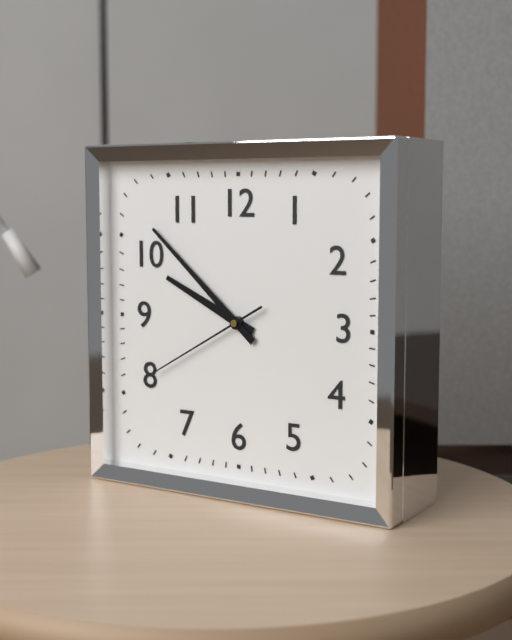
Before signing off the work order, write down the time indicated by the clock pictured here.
9:52:40
